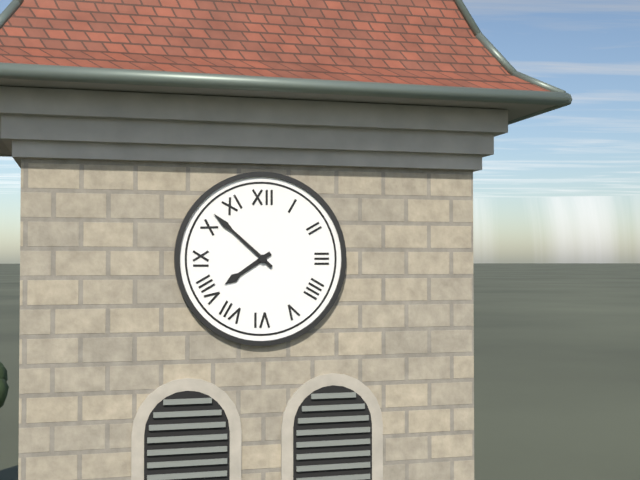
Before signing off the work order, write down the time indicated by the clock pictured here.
7:52
